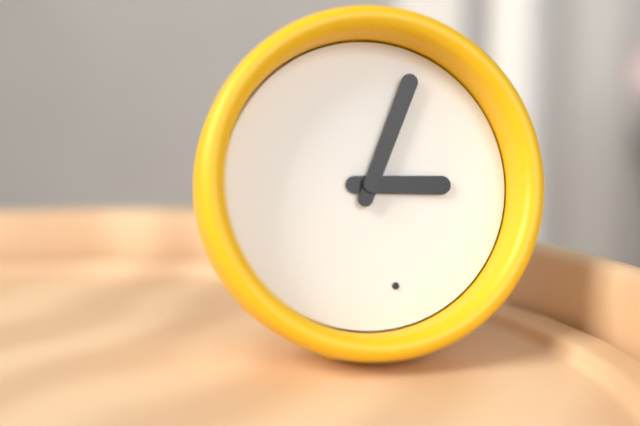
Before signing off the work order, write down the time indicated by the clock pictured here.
3:04
